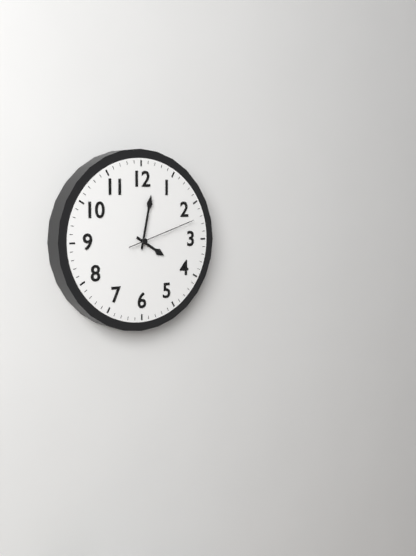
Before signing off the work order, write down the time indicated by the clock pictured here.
4:02:12
